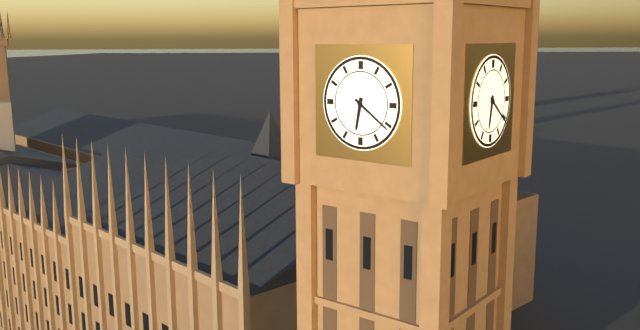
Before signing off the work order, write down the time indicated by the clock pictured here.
6:21
